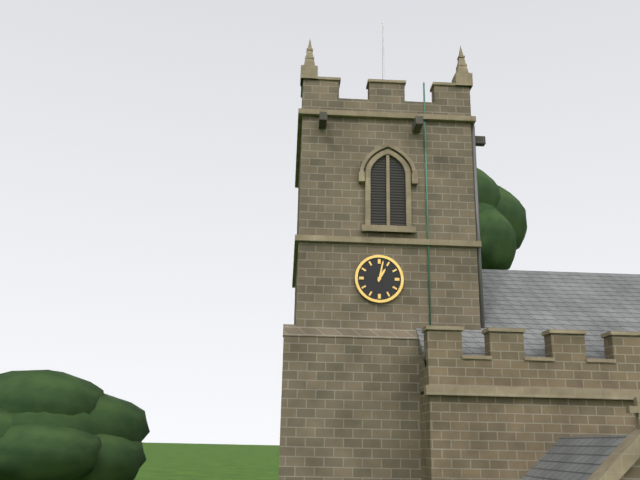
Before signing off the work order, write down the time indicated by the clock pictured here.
1:02
